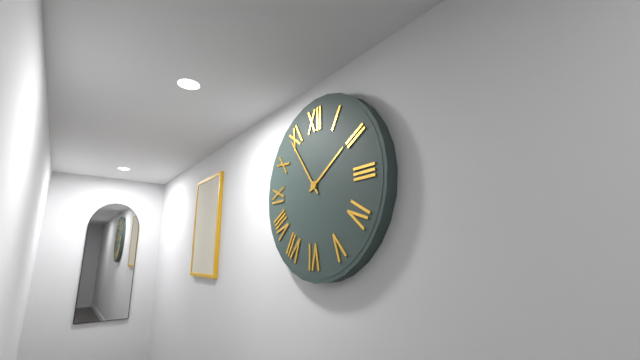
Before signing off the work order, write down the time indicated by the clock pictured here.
1:54
